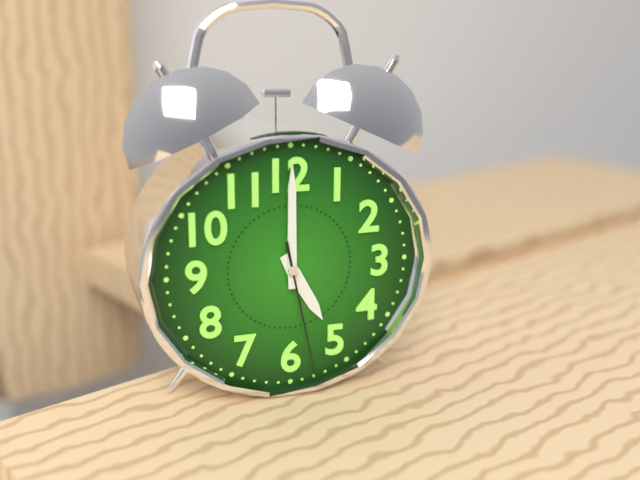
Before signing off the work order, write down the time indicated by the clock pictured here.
5:00:28
